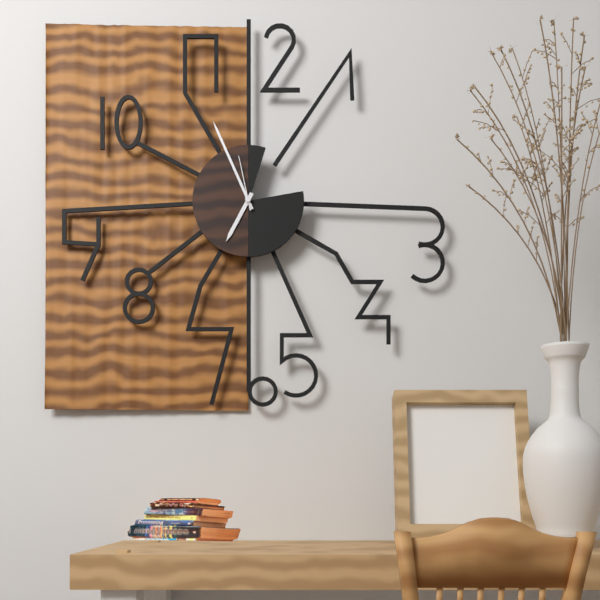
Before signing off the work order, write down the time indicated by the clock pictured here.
6:56:58
